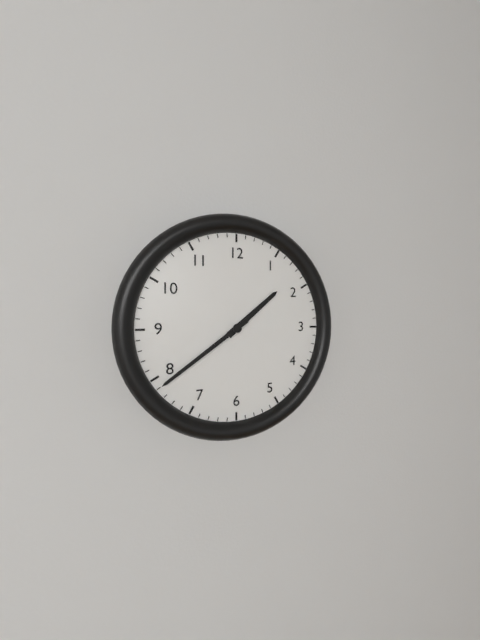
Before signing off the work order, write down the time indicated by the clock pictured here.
1:39
